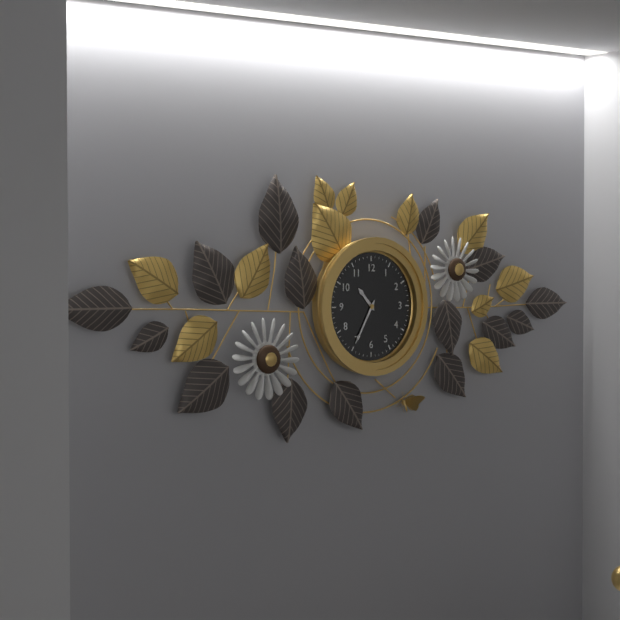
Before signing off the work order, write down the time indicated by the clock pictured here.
10:35
